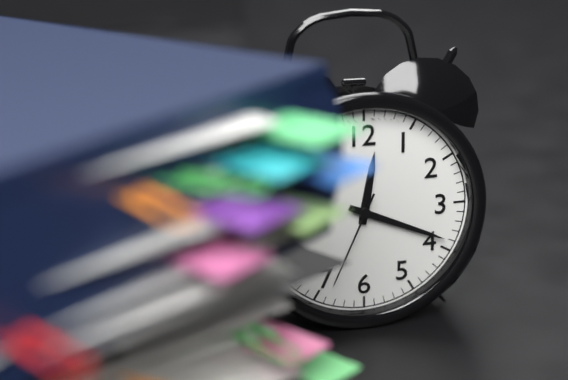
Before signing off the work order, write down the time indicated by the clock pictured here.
12:19:34
